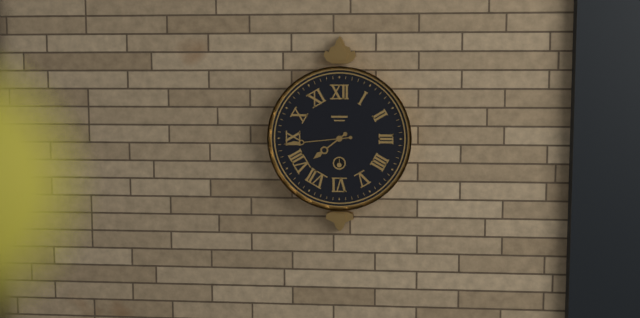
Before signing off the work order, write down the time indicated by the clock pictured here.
7:44
